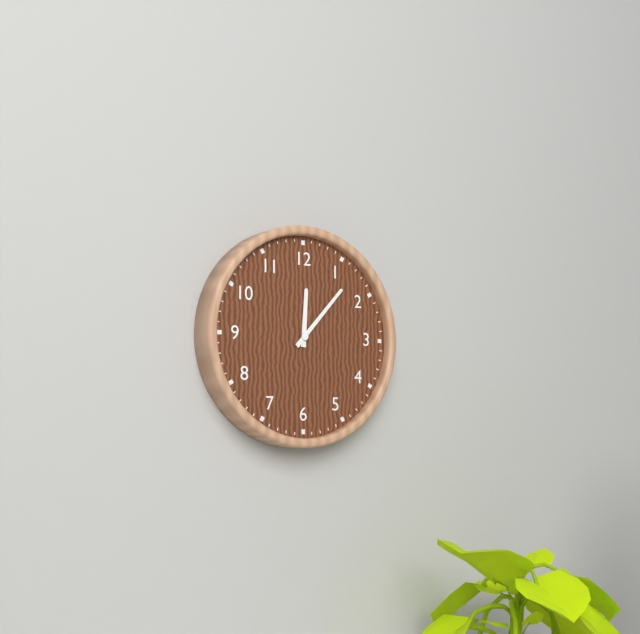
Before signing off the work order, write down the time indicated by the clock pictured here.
12:07
